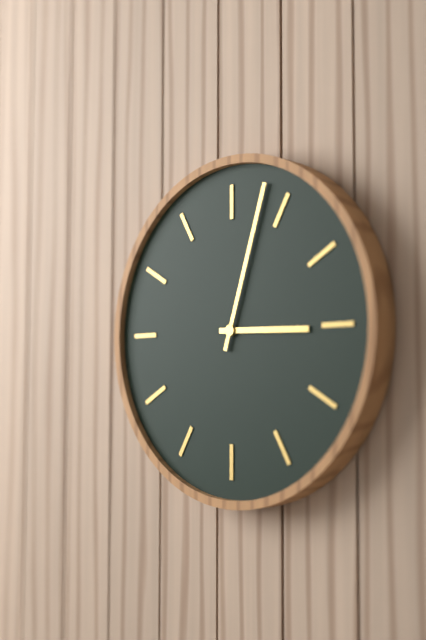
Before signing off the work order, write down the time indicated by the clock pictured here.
3:03
